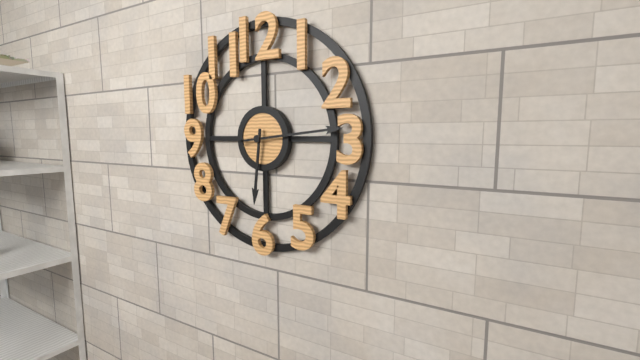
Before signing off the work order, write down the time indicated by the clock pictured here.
6:14
